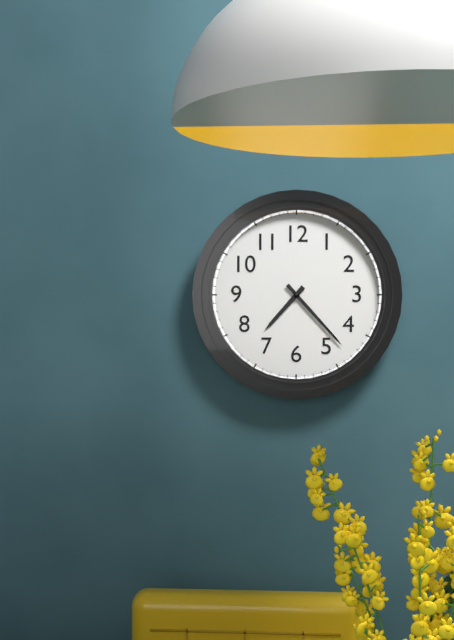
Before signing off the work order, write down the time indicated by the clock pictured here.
7:23
